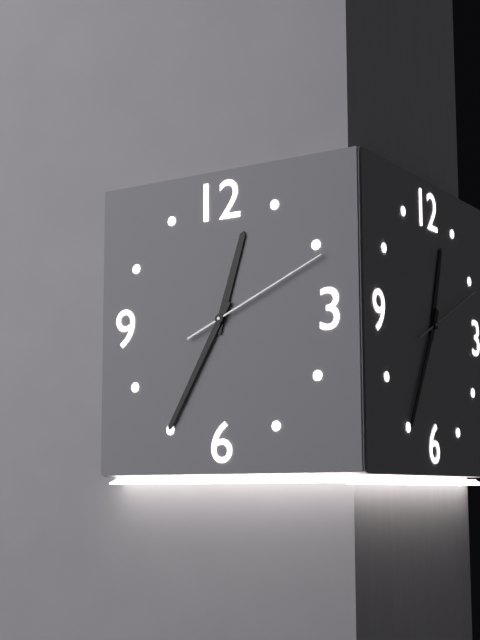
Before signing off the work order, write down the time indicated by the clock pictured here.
12:35:11
